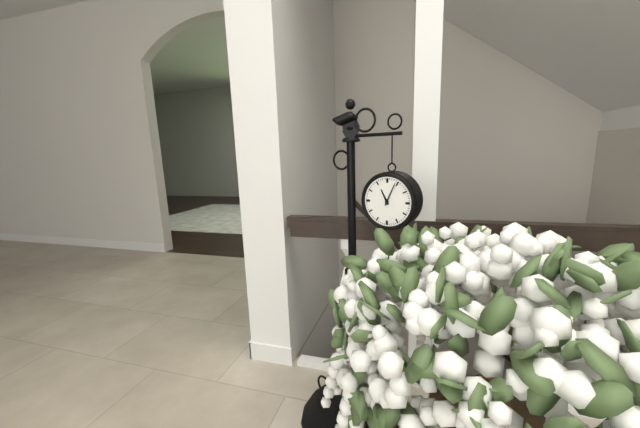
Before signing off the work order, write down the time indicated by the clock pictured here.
11:04
